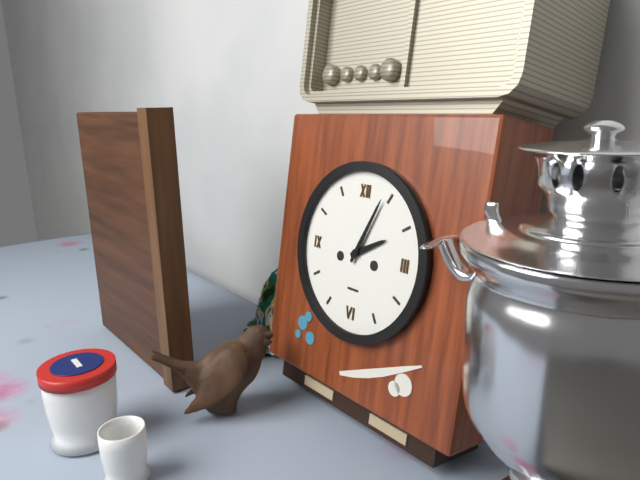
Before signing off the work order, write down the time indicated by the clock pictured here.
2:04
